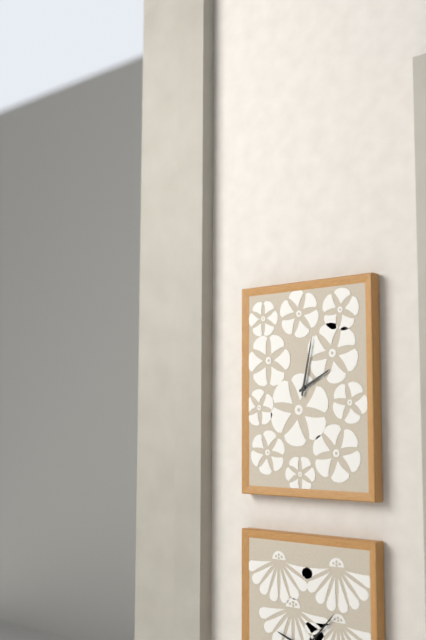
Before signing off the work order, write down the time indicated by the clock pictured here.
2:02
